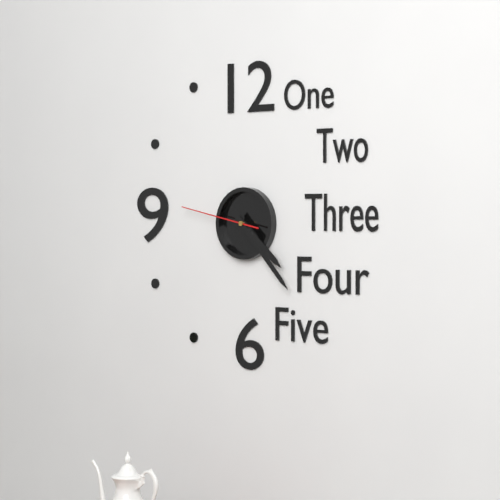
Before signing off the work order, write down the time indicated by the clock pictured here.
4:23:47
